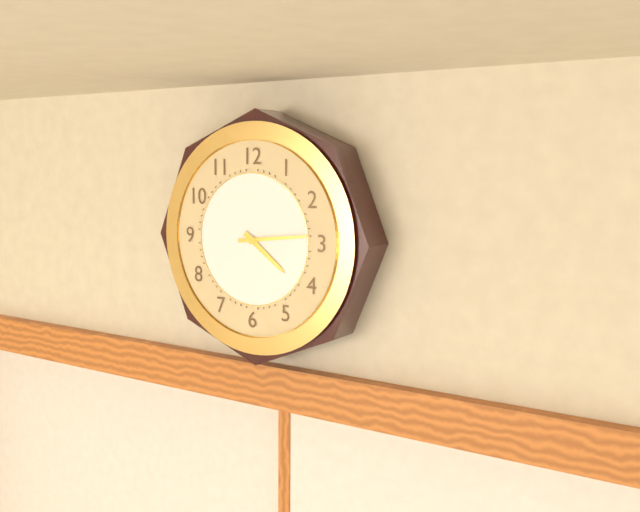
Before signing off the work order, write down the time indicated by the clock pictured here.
4:14
